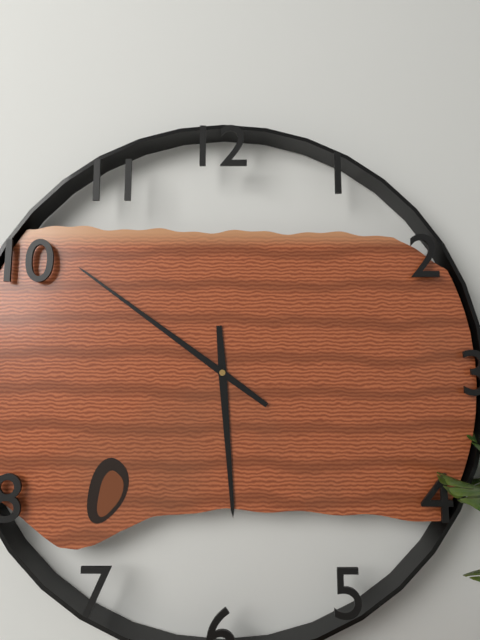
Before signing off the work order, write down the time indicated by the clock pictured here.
5:51
